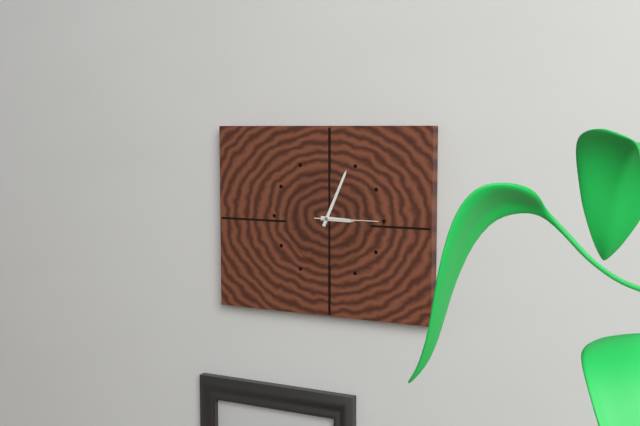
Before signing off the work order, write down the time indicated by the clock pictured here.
3:04:15
